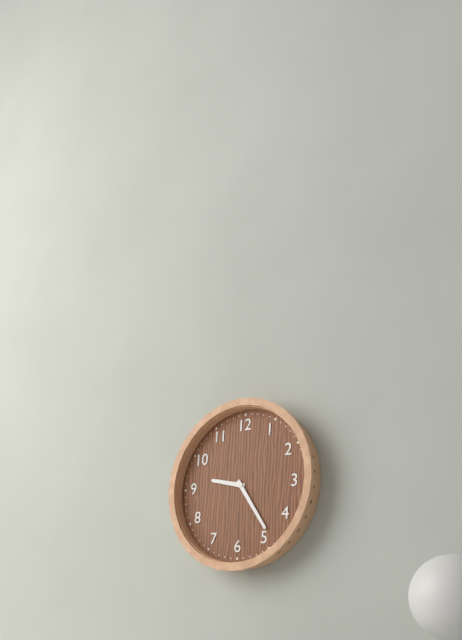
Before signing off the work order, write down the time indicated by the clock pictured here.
9:24
